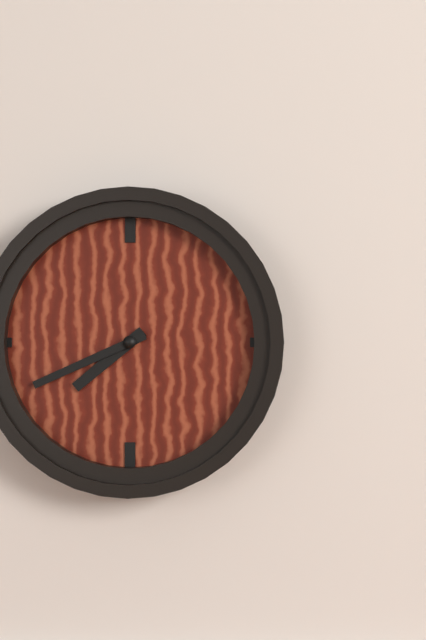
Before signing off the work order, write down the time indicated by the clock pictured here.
7:41
